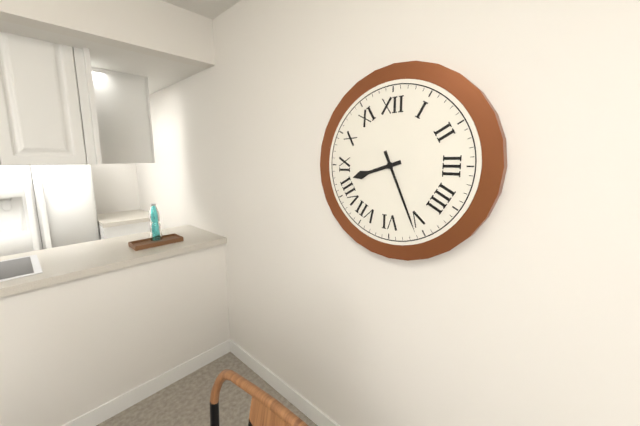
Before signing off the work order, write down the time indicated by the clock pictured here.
8:26
